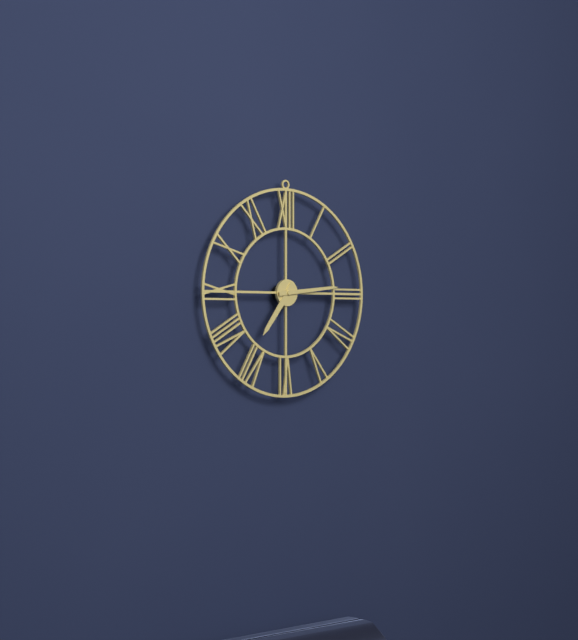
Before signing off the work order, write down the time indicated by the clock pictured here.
7:14
